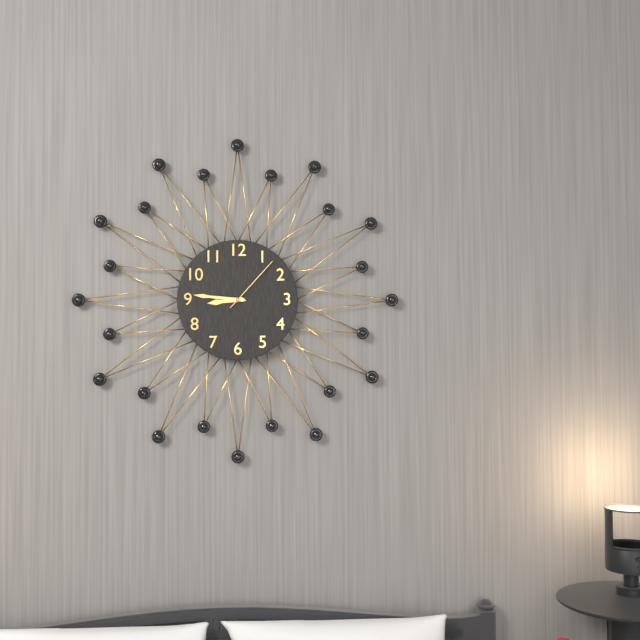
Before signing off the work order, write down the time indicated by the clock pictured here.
8:46:07
